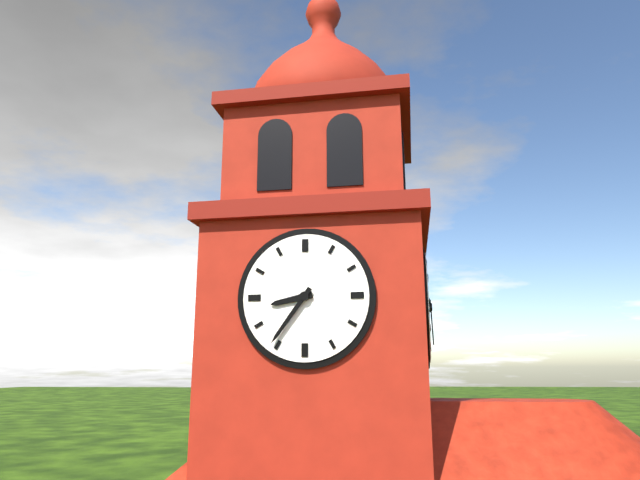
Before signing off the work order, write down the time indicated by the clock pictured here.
8:36
